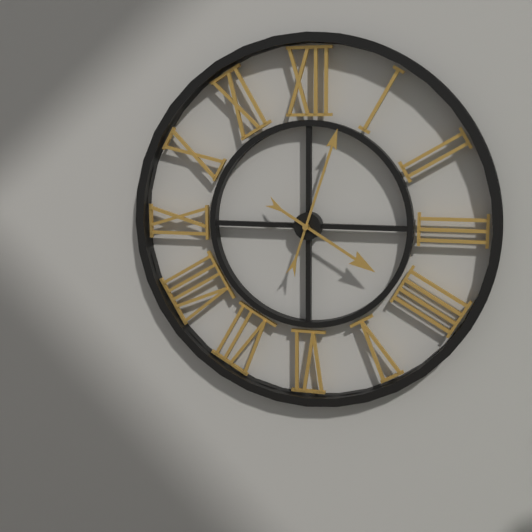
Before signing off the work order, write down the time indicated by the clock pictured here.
4:03
